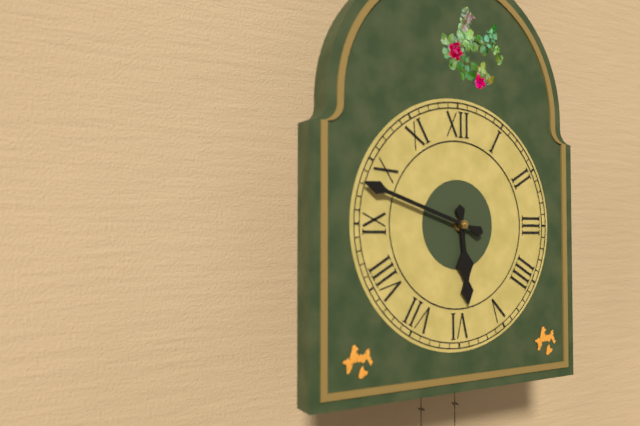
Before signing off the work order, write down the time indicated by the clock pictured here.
5:48
